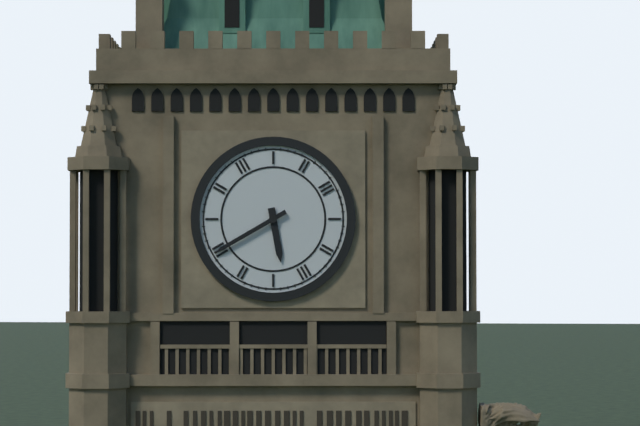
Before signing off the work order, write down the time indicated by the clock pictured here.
5:40
